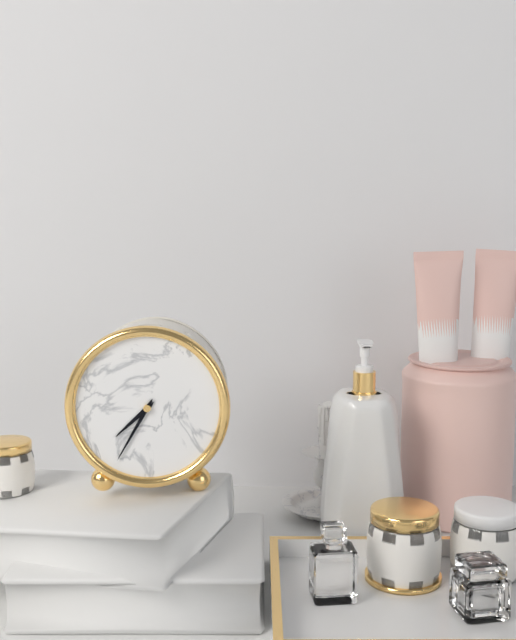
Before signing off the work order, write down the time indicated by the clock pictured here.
7:35
